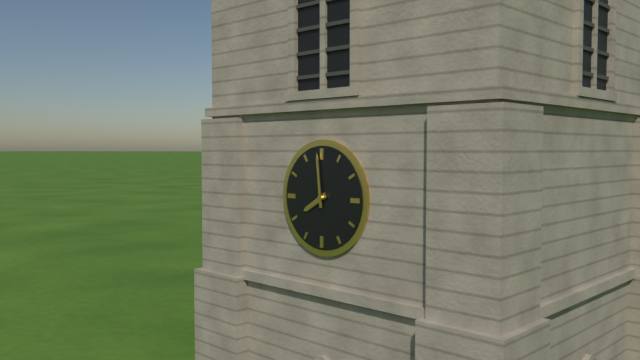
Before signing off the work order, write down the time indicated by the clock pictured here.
7:59
